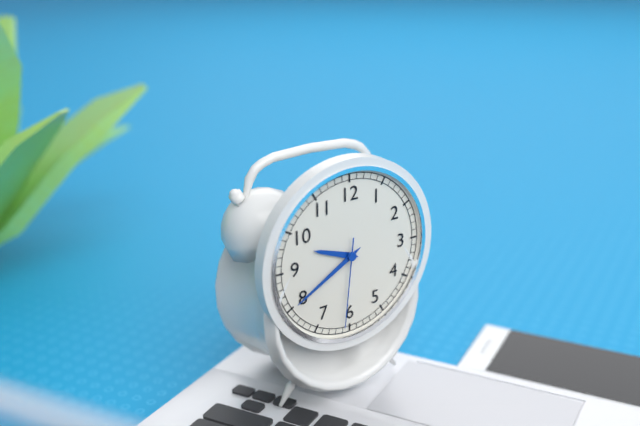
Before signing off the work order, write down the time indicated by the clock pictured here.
9:40:31
